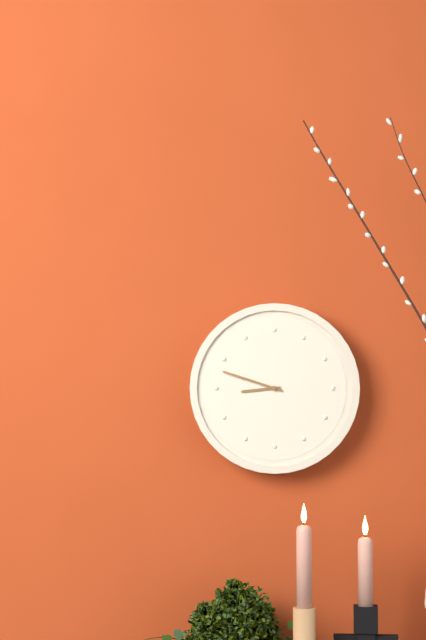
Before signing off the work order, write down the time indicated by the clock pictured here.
8:48
